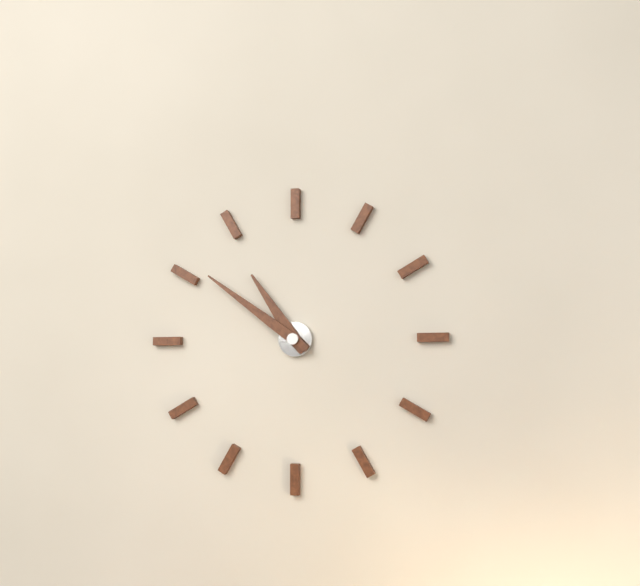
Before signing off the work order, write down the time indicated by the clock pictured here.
10:51
